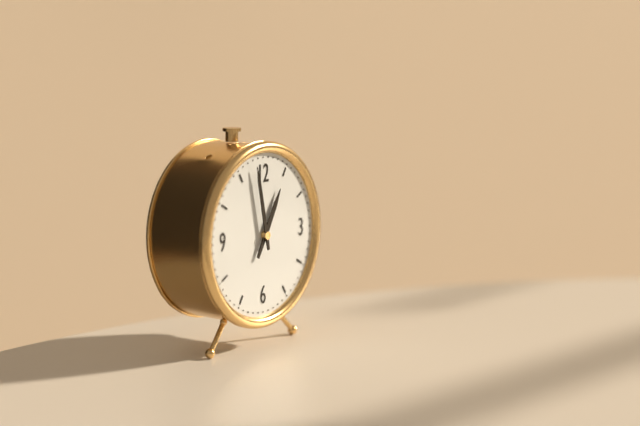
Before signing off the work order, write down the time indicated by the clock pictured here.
12:58
